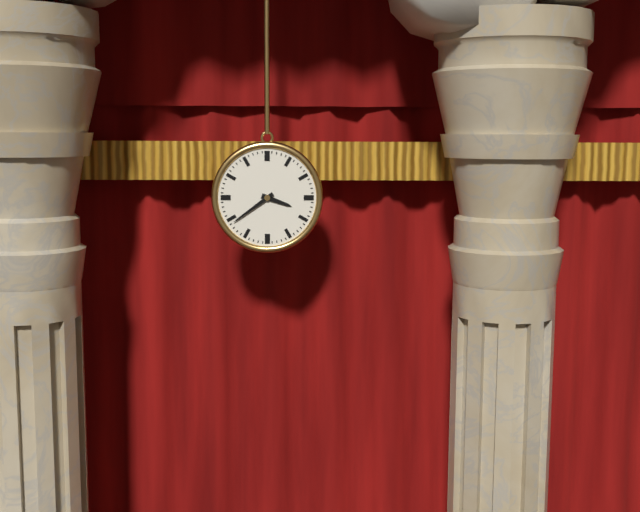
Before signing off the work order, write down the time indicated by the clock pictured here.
3:39
